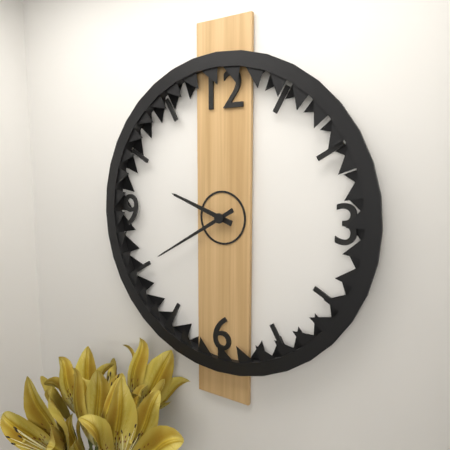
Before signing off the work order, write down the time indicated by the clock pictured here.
9:40
